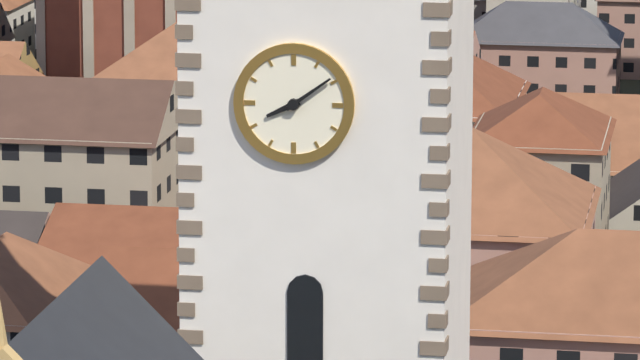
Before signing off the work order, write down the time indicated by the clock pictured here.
8:09
